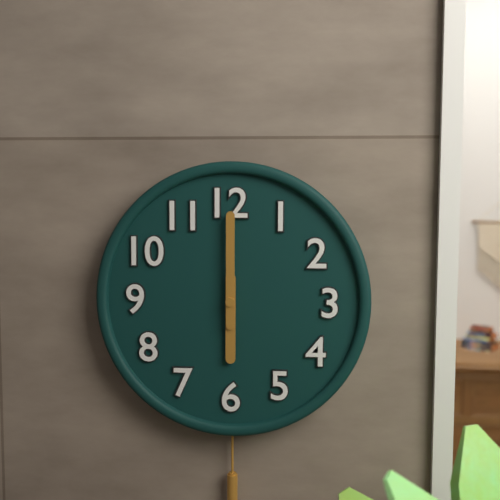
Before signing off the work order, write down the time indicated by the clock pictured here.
6:00
